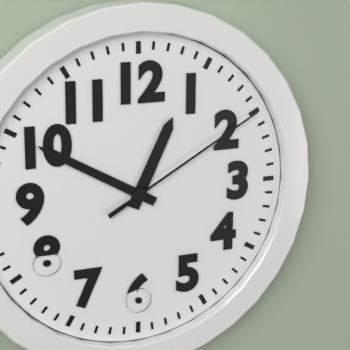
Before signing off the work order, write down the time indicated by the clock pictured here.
12:50:10
